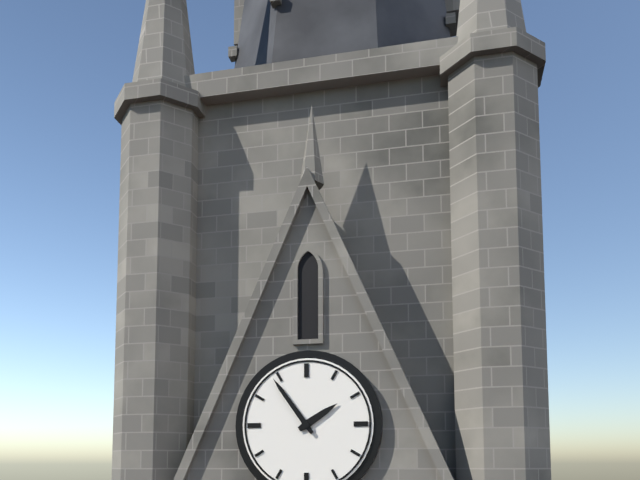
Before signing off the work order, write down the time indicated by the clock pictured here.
1:54
